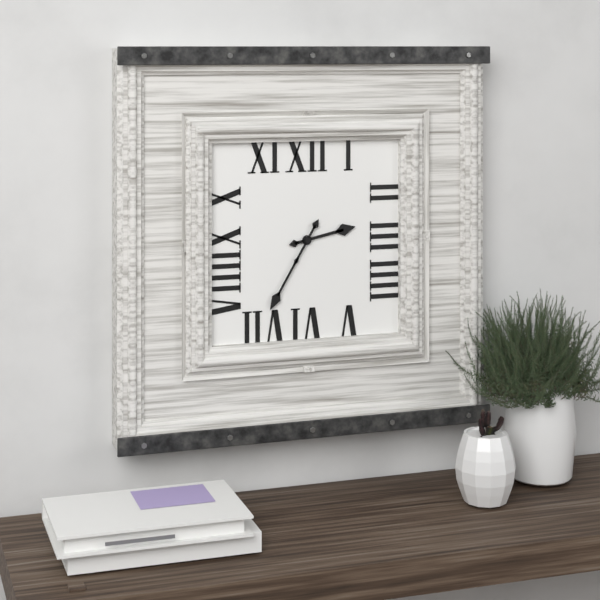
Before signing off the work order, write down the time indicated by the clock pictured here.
2:35
